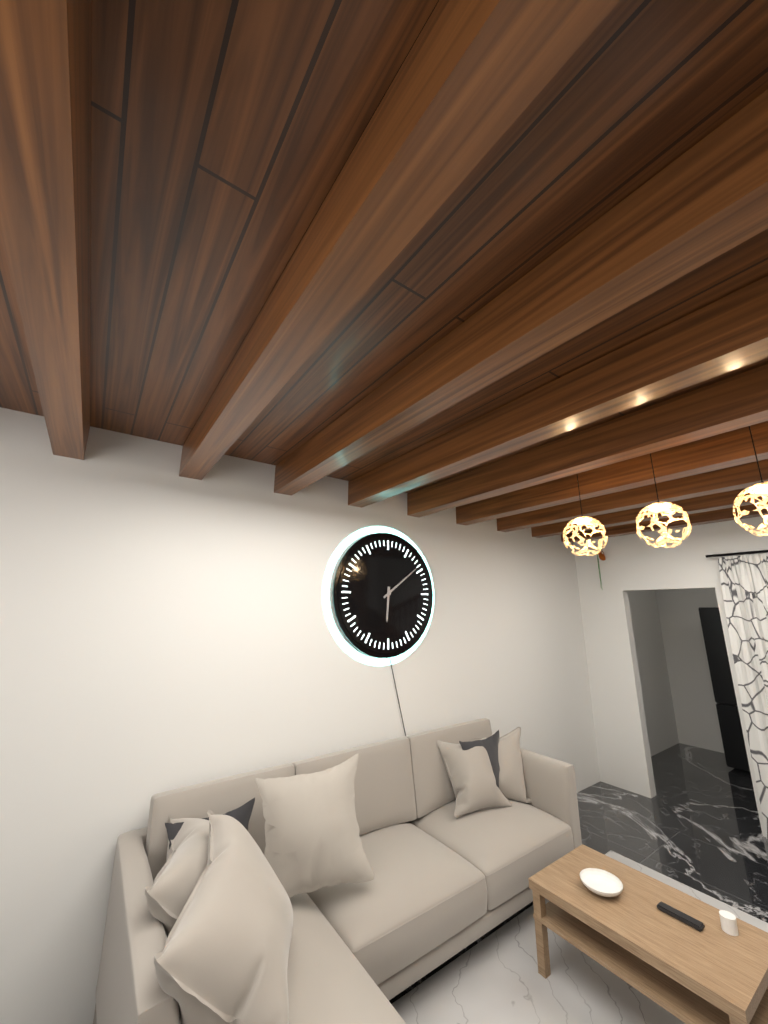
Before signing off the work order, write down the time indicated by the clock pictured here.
6:09
